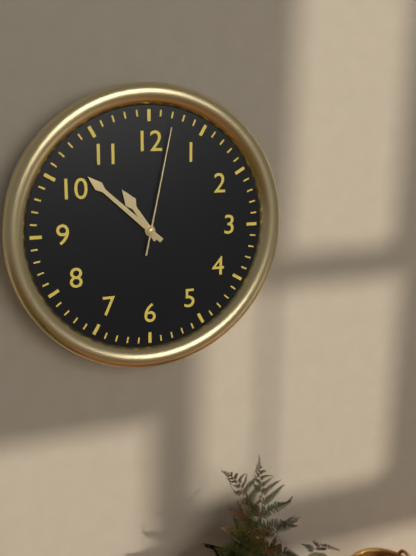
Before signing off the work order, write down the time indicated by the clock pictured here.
10:52:02
